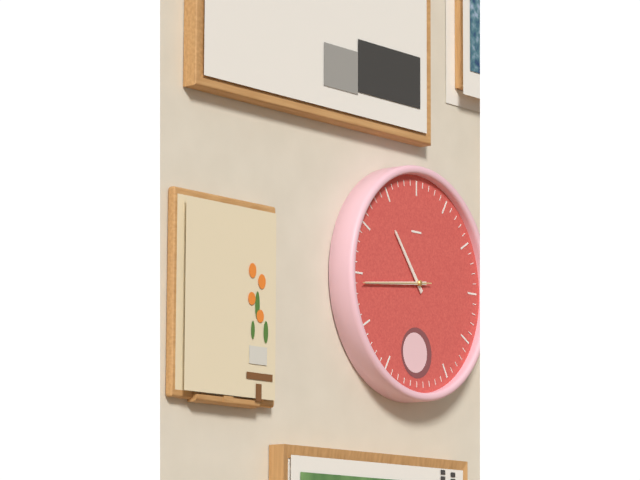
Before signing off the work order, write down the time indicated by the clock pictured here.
10:44
